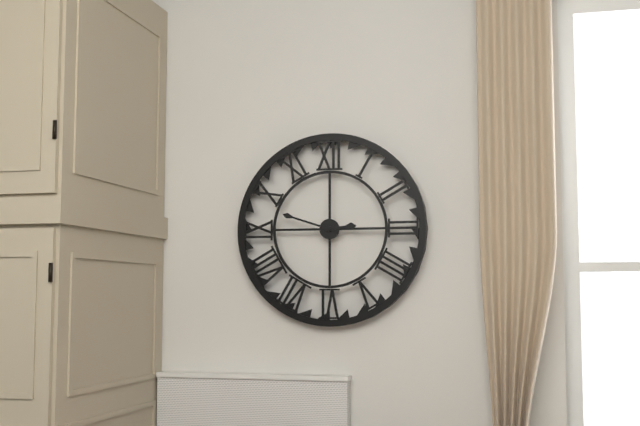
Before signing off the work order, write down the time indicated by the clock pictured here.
2:48
